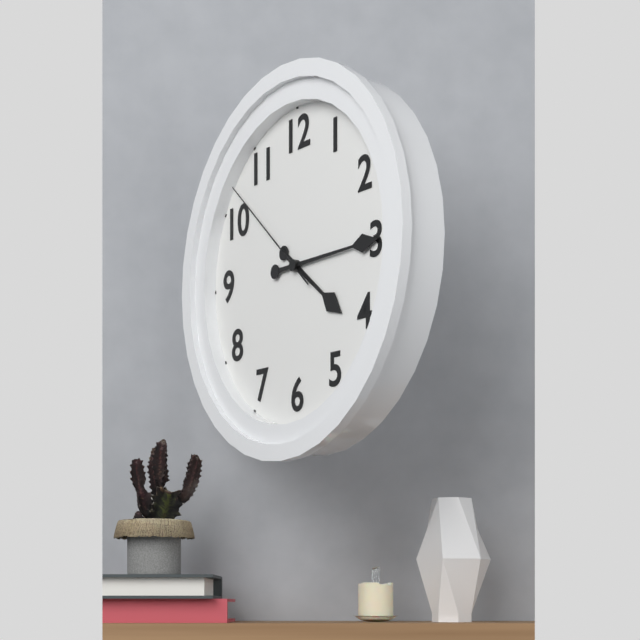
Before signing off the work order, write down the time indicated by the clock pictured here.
4:15:52
